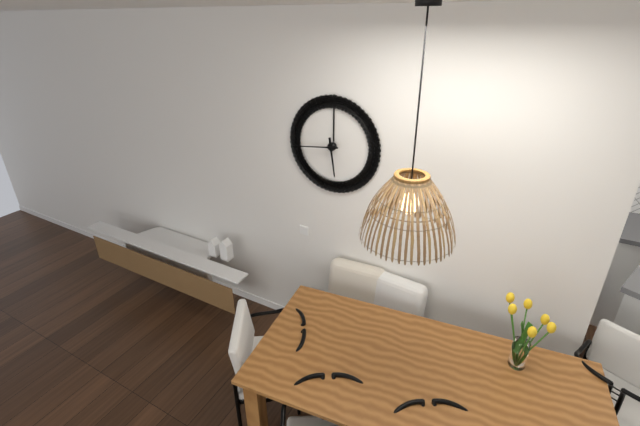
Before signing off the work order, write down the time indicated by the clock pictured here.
5:44
